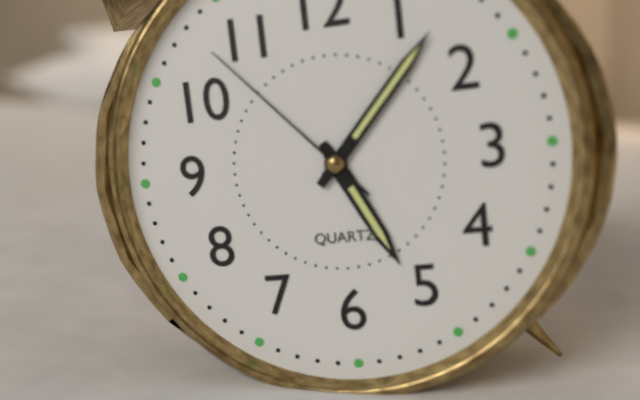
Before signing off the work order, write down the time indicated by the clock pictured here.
5:07:53
